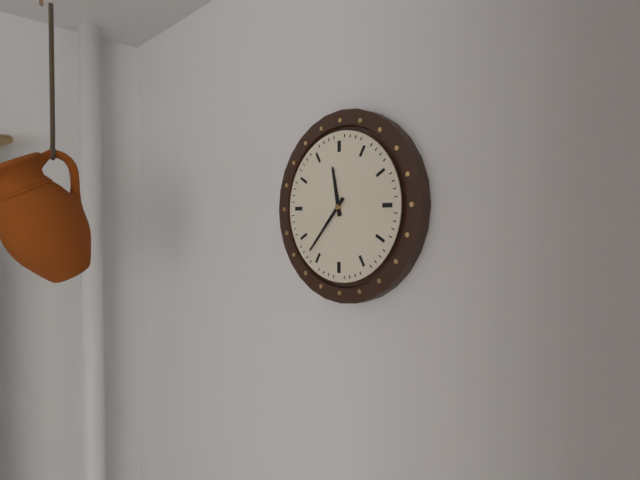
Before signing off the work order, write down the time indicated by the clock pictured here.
11:37
